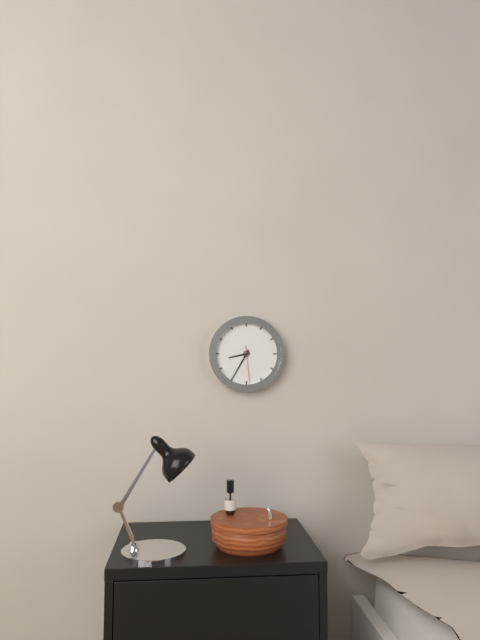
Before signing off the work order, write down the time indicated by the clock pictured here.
8:35
